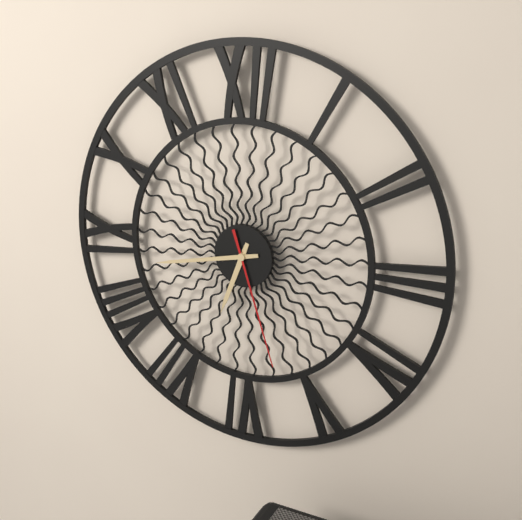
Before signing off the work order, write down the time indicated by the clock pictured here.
6:43:27
